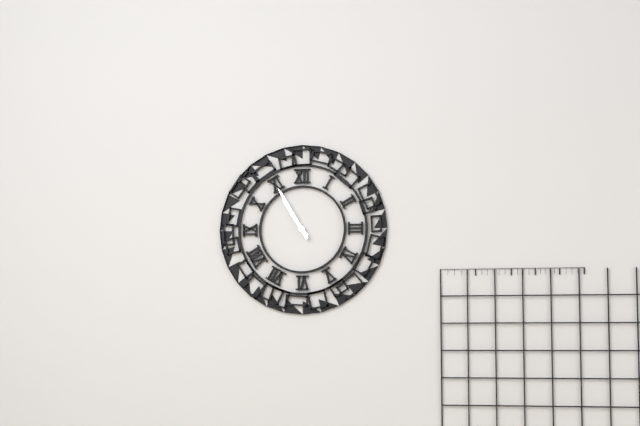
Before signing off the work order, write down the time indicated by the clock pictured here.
10:55
